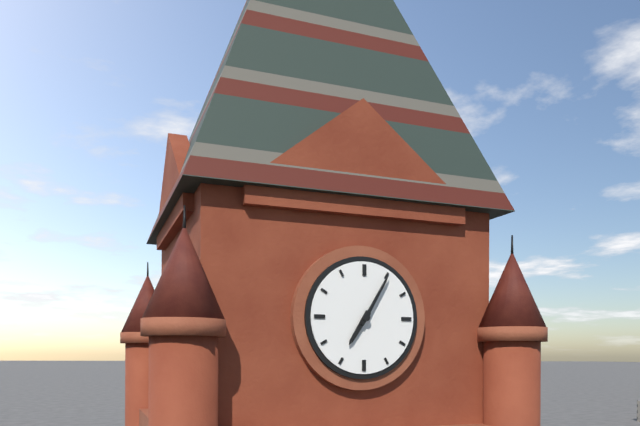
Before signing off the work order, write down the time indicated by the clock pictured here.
7:05
